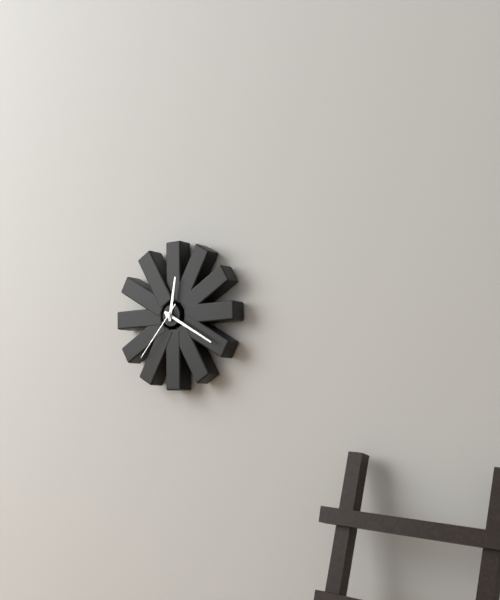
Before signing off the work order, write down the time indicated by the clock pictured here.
12:20:37
